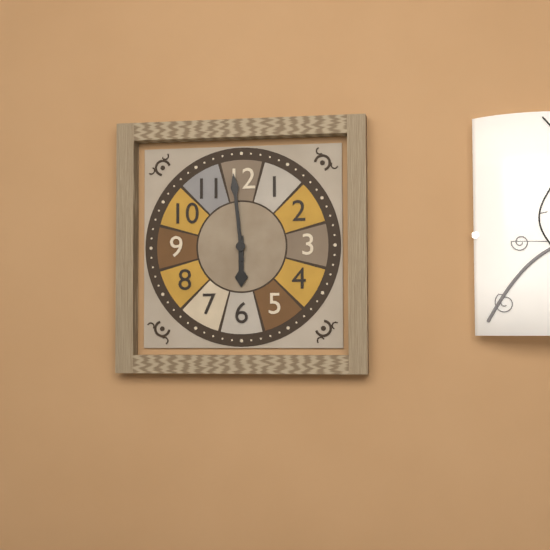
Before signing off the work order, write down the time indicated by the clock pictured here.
5:59
